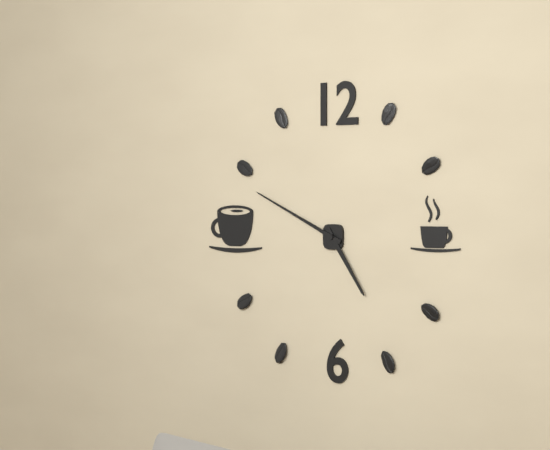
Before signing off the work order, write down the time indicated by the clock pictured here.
4:49
